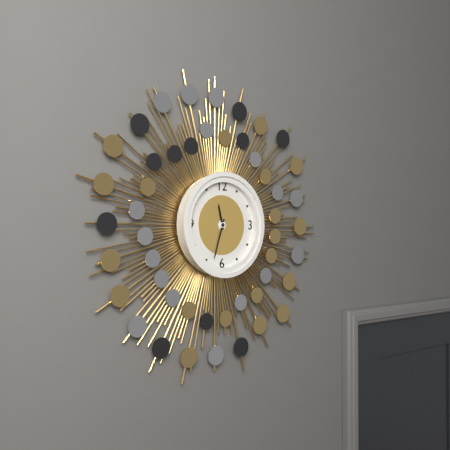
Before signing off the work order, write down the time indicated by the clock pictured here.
11:33
